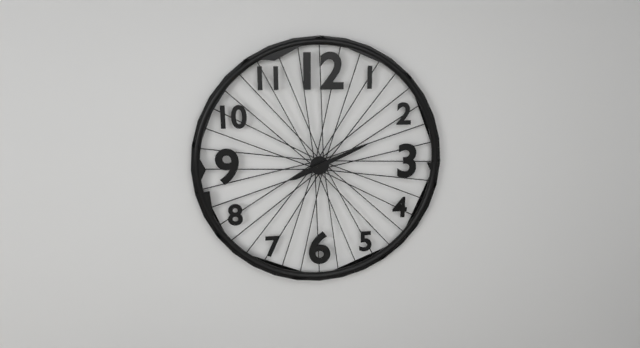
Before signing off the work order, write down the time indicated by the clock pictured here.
8:11
